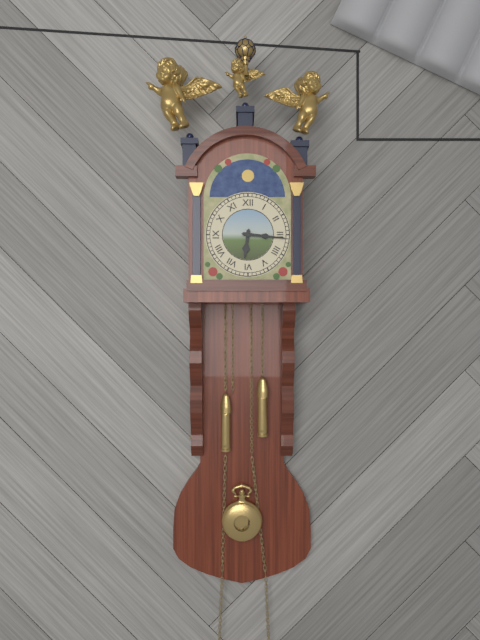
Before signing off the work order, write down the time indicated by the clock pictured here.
6:16
